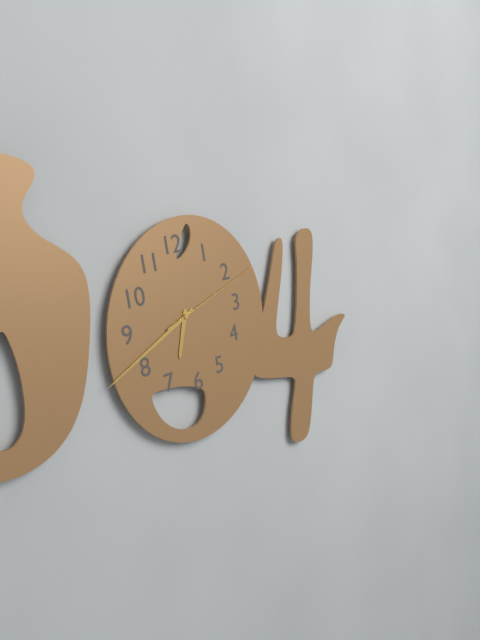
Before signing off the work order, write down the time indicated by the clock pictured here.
6:41:12
